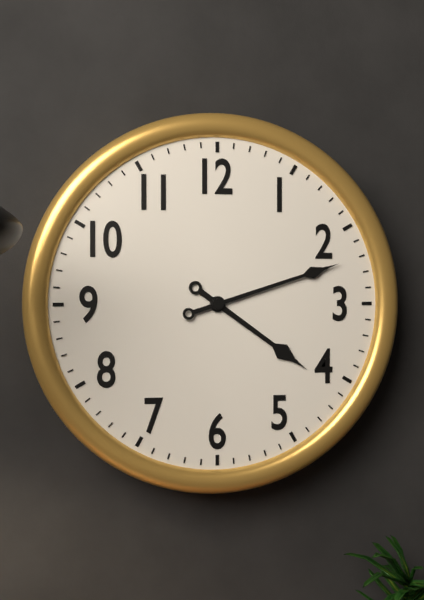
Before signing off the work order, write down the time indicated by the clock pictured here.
4:12
